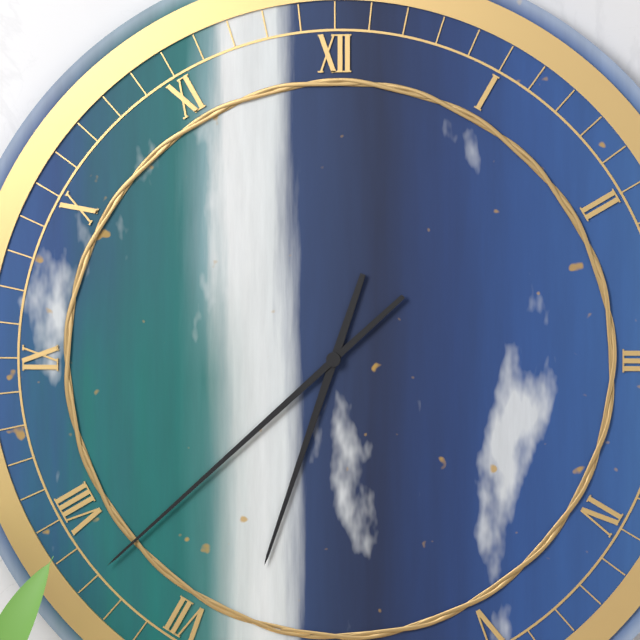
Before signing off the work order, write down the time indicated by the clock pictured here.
6:38
